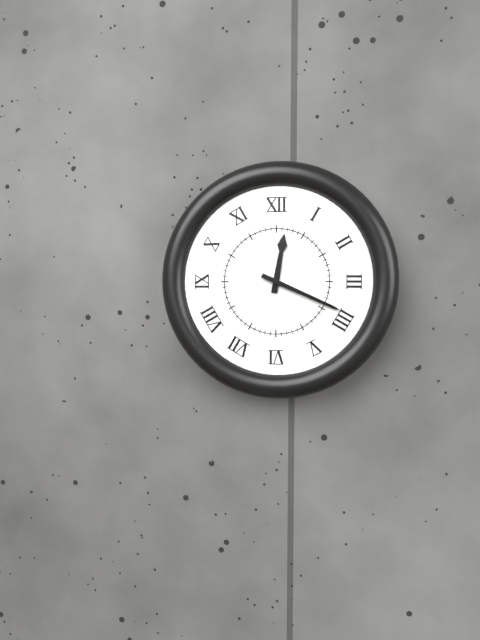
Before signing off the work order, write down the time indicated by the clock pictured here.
12:19
